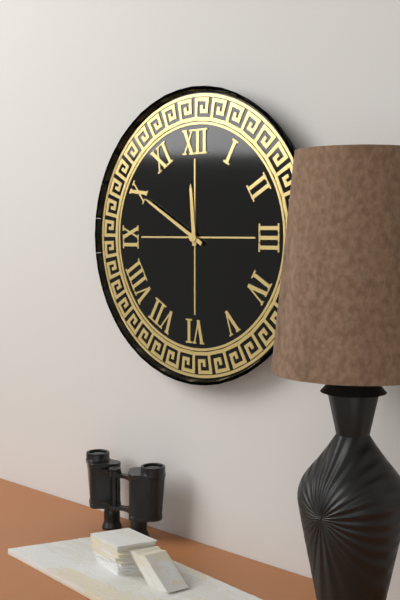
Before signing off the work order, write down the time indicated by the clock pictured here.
11:50
